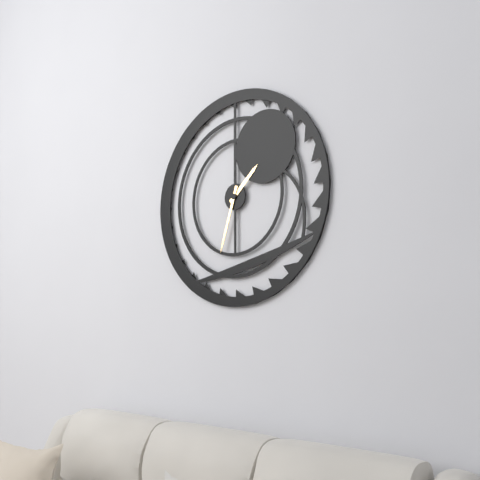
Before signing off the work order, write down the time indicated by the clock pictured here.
1:33
